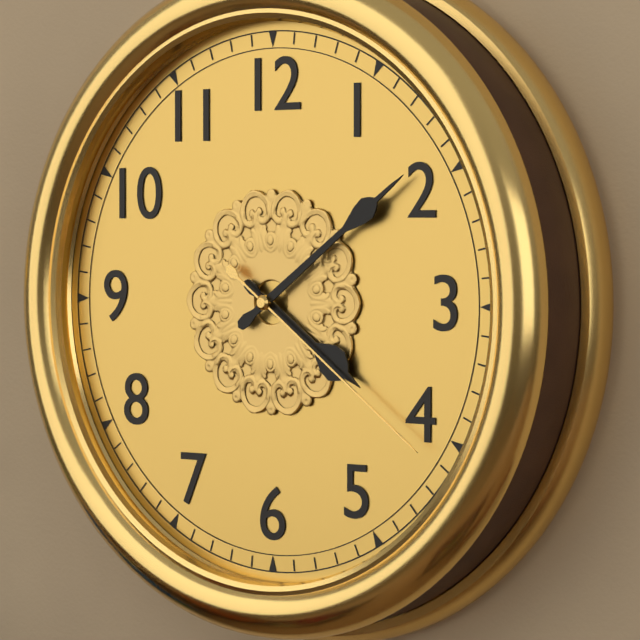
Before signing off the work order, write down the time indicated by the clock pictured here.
4:09:21
